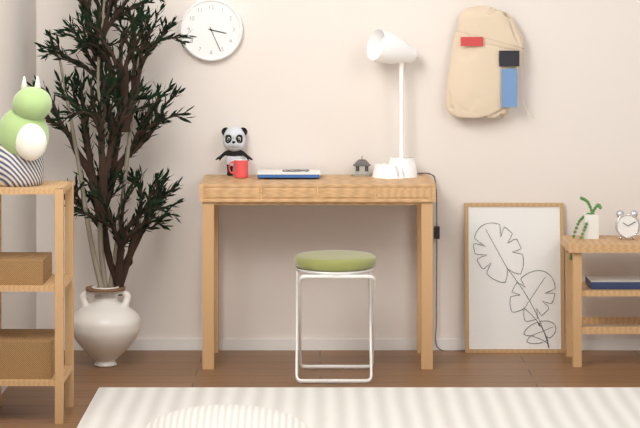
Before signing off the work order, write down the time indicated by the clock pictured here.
3:26
